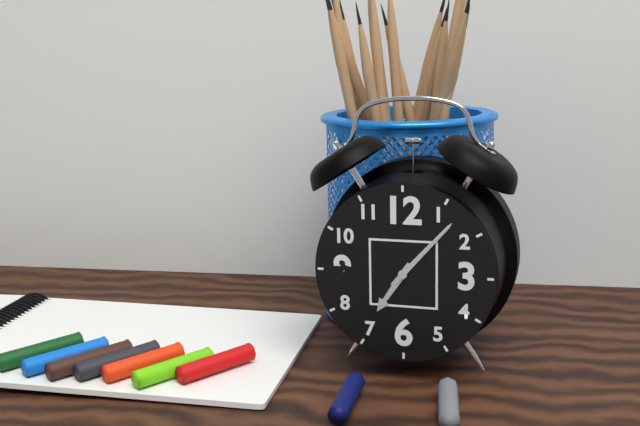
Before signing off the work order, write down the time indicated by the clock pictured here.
7:07
